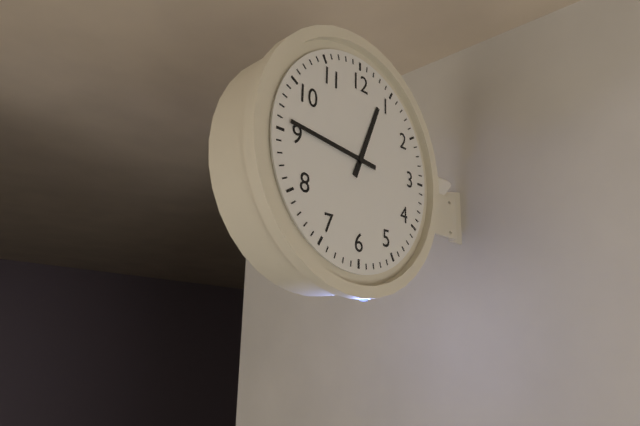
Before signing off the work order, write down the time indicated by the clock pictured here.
12:46
